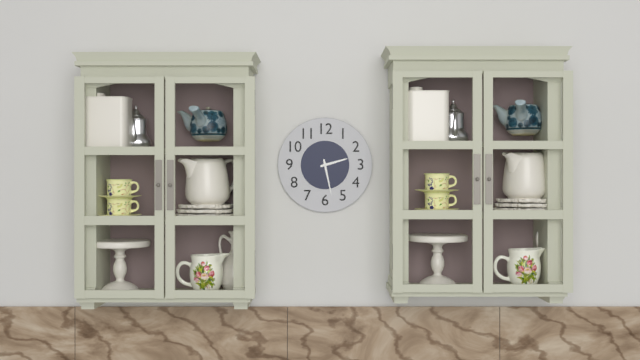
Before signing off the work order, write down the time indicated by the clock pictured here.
2:28
